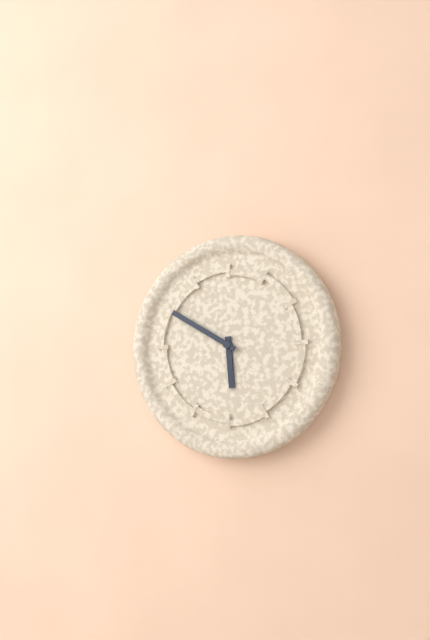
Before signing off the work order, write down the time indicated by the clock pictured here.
5:50
